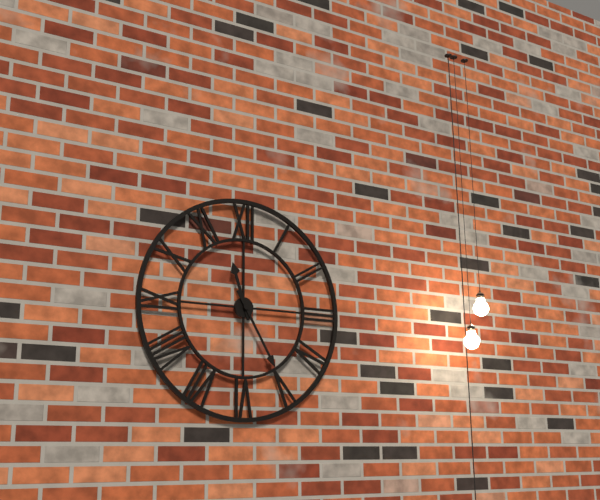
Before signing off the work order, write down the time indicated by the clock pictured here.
11:25
